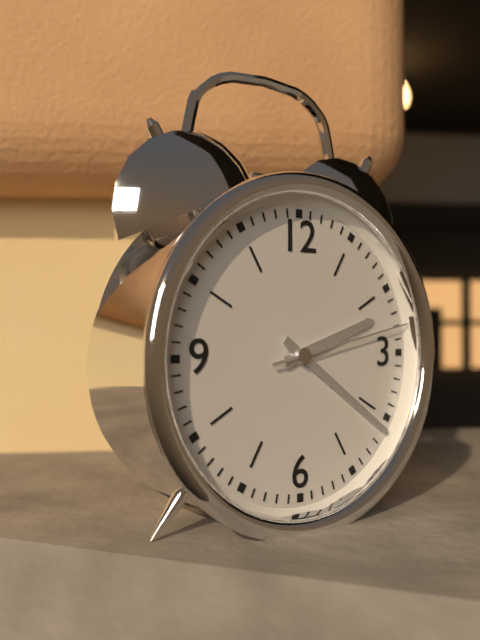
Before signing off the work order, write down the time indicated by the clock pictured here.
2:21:13
